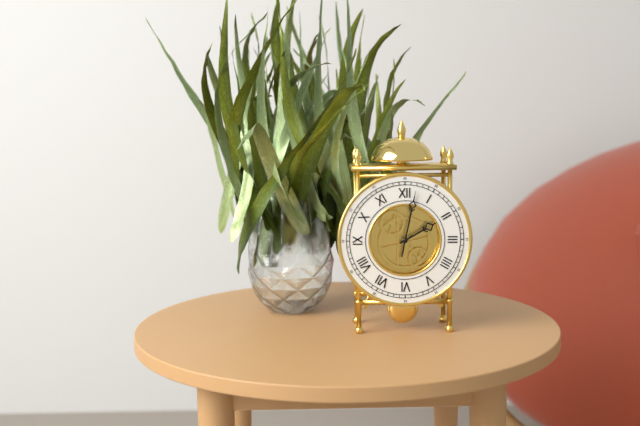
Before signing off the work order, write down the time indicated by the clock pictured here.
2:02
